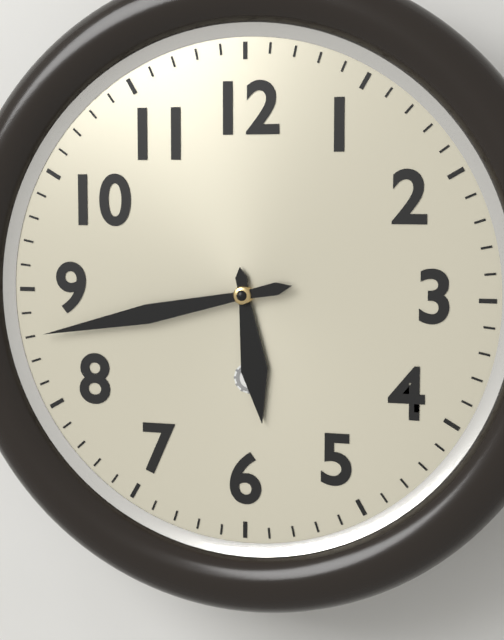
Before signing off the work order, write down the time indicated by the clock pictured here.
5:43
